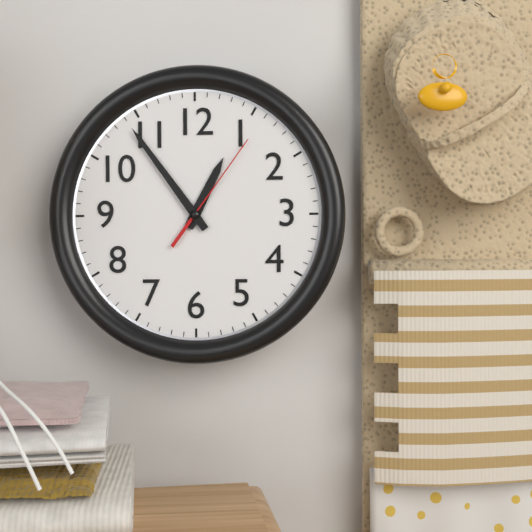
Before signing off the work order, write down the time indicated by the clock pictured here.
12:54:06
